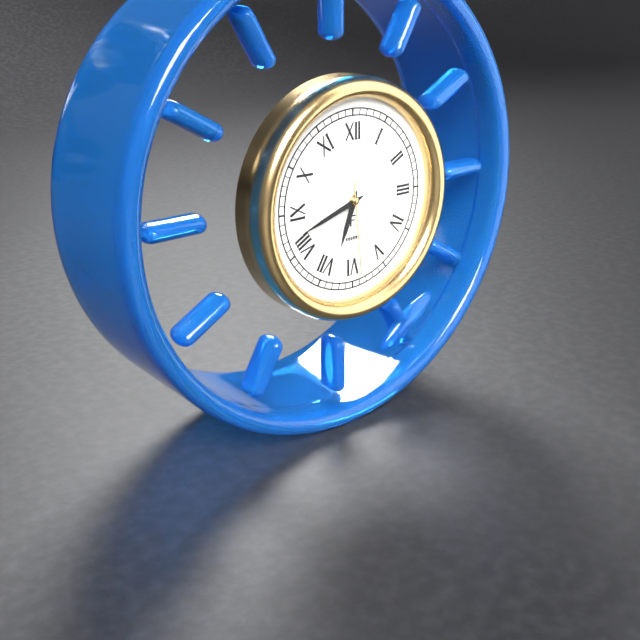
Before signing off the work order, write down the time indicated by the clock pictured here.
6:42:29
